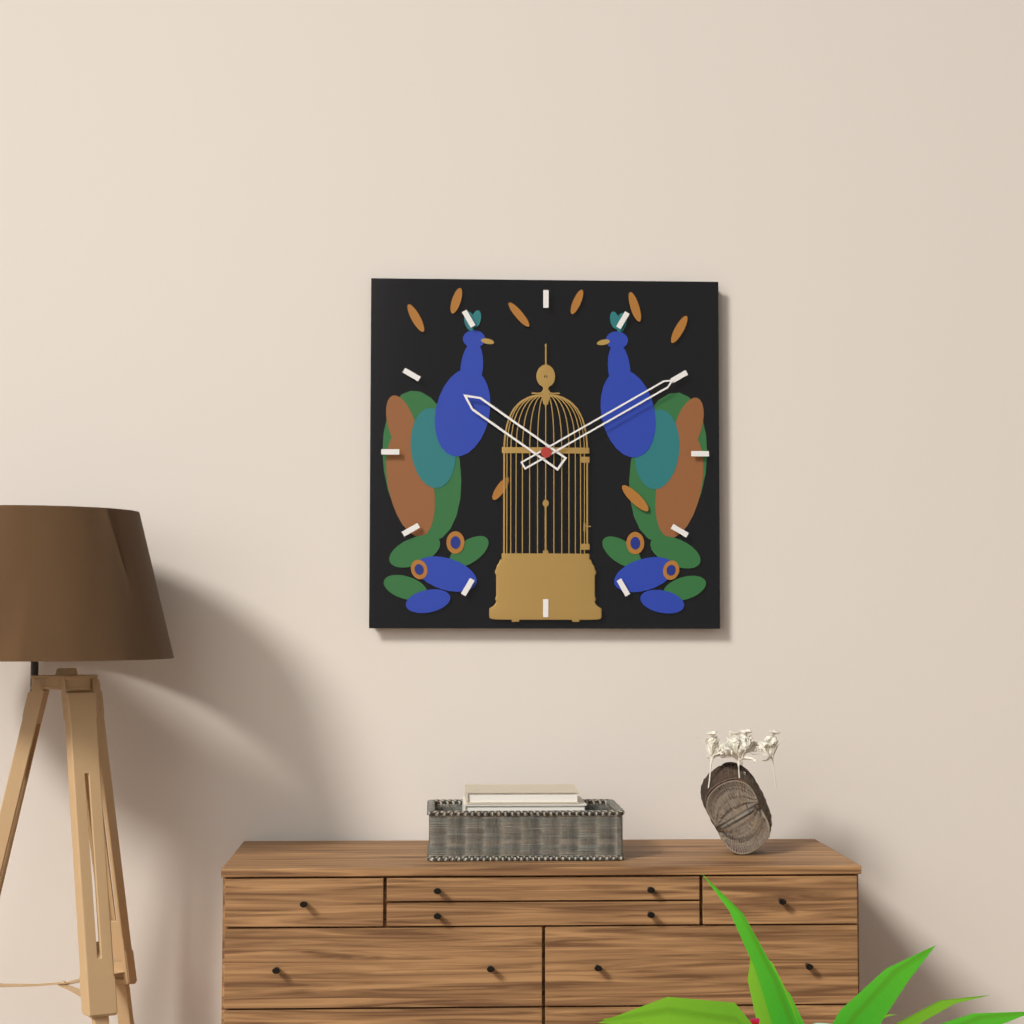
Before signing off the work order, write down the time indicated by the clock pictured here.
10:10
